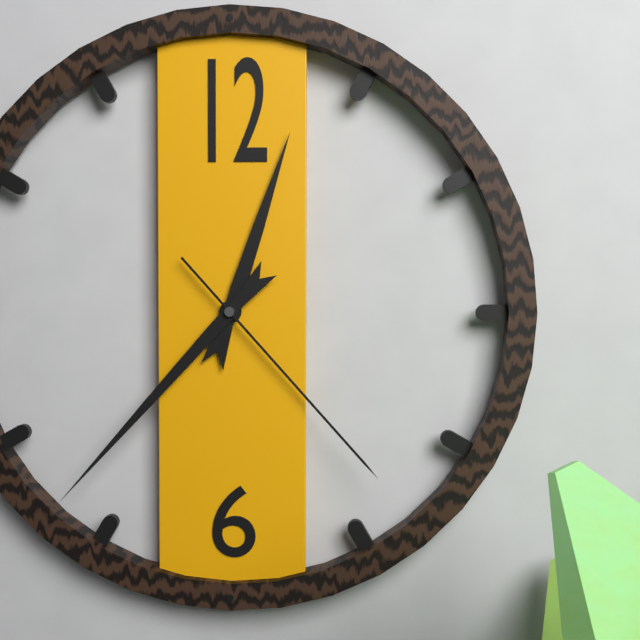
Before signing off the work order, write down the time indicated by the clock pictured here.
12:37:23
